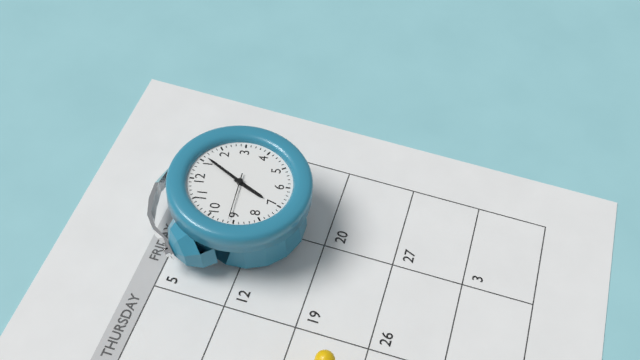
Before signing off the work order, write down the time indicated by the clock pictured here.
7:06
